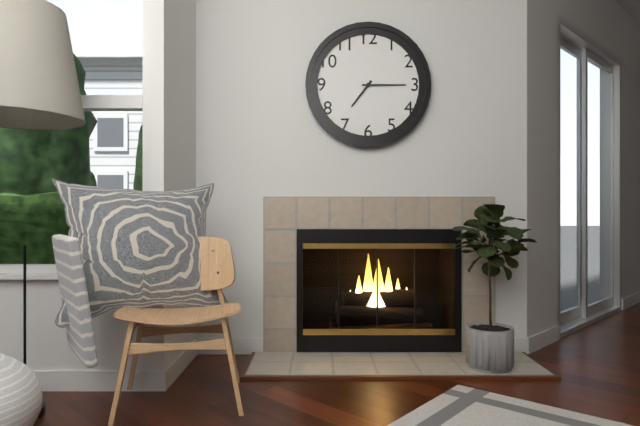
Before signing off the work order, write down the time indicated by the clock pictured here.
7:15
